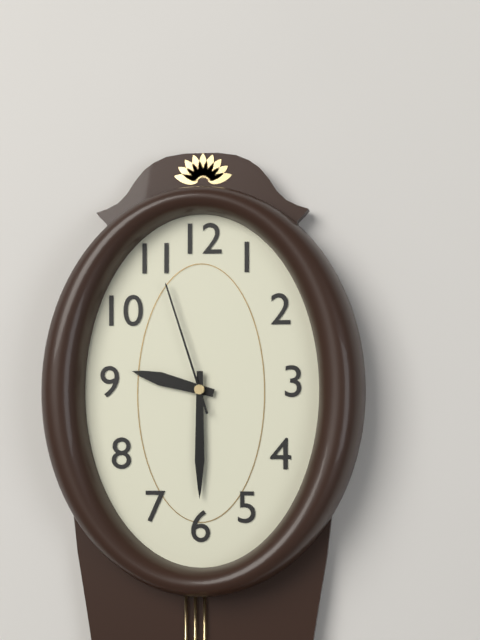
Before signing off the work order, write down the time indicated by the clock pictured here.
9:30:57
